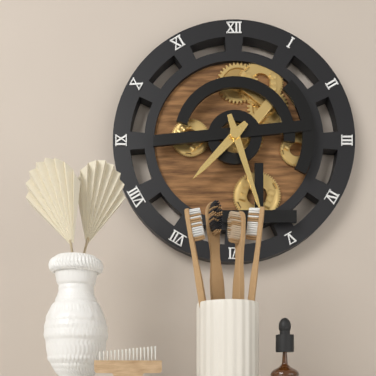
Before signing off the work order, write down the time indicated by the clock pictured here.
7:27
